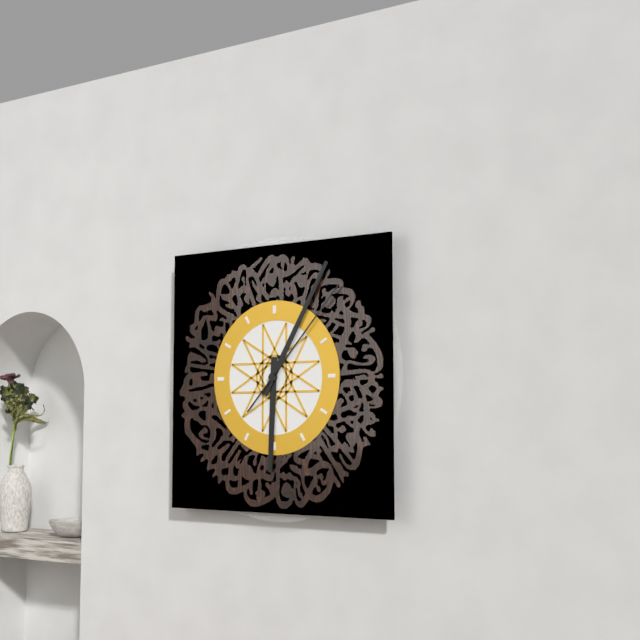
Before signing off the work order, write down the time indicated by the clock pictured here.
6:05:07
